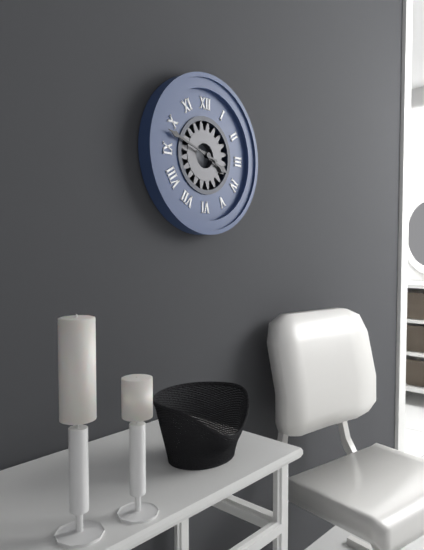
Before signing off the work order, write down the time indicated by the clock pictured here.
3:48
